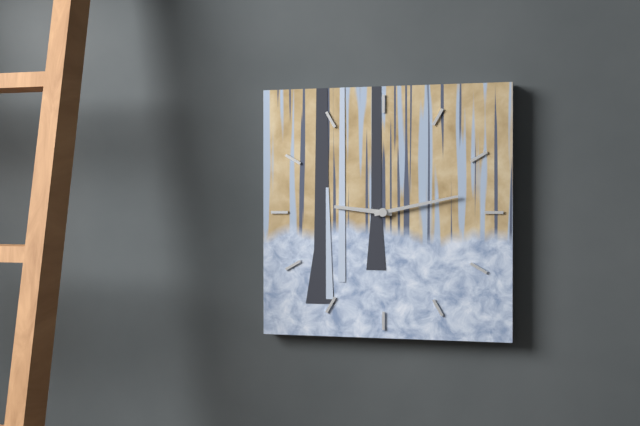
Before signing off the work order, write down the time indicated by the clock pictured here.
9:13
